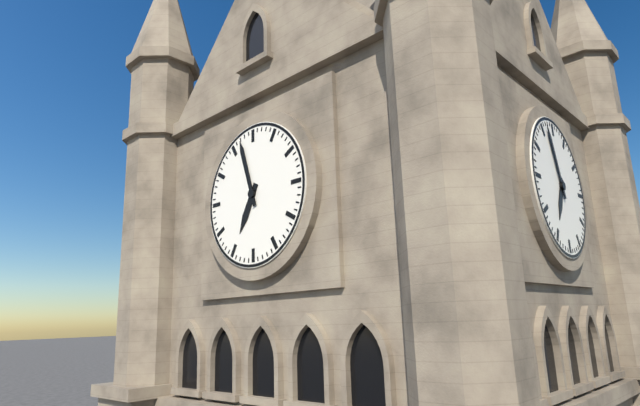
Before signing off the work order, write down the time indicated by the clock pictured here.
6:57
